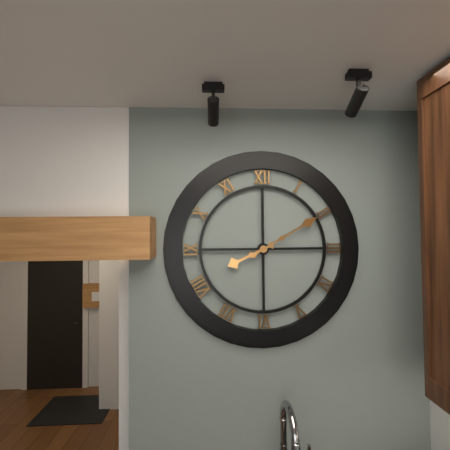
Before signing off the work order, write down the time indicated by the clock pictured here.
8:10
